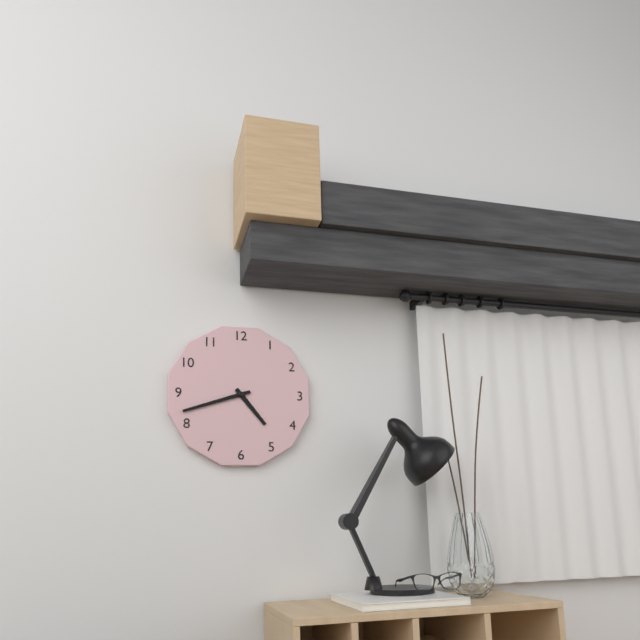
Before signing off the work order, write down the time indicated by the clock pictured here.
4:42
